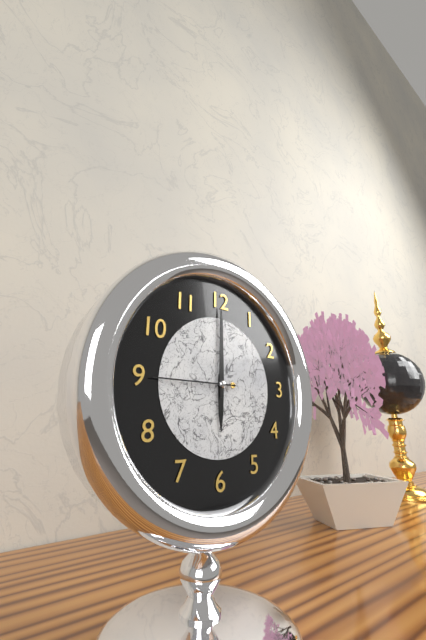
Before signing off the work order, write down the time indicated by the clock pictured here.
6:00:45
